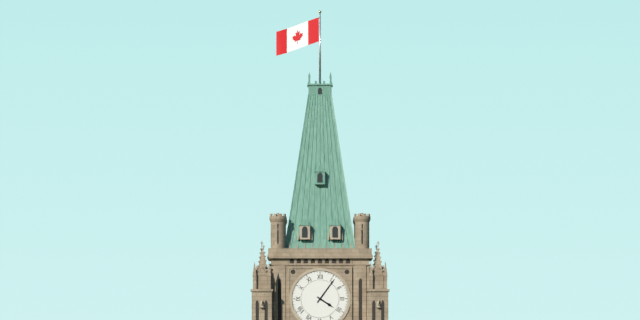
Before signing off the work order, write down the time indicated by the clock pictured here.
4:06
